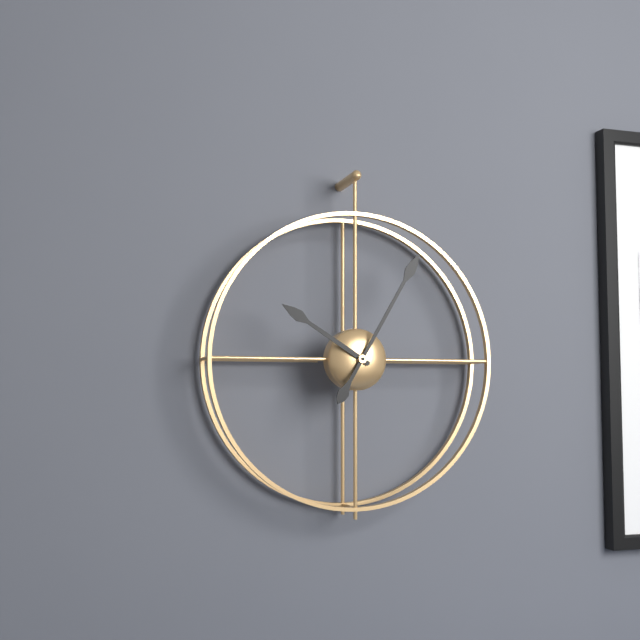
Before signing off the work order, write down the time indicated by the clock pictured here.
10:05
